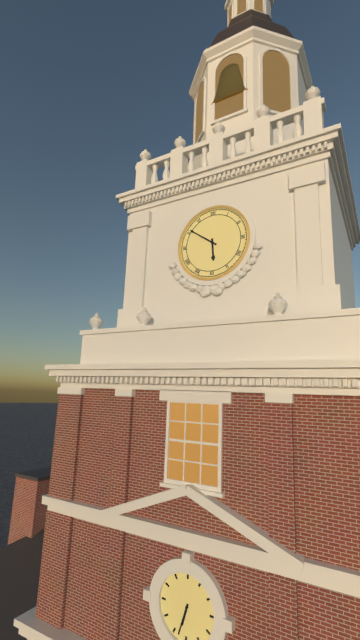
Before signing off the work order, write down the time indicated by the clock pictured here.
5:51
